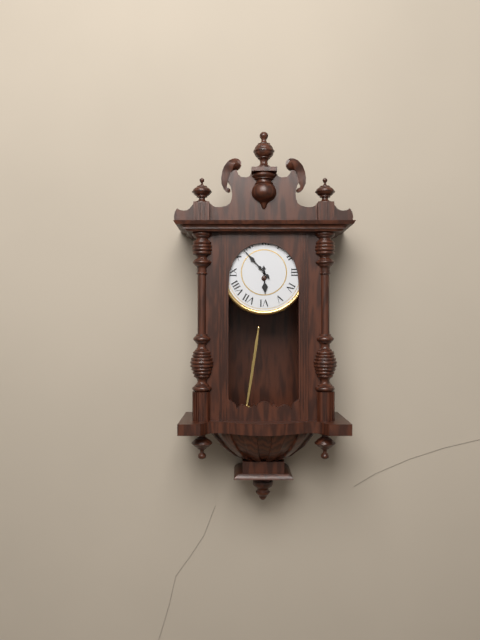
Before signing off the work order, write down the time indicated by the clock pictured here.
5:53
